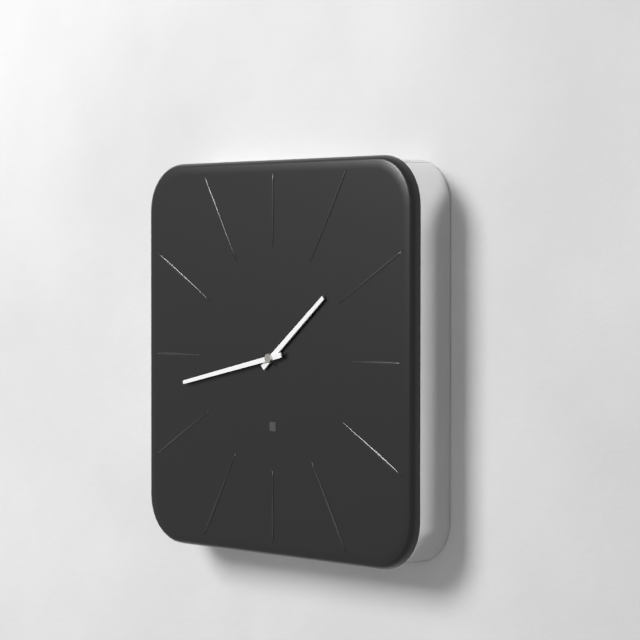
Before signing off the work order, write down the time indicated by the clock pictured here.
1:43
